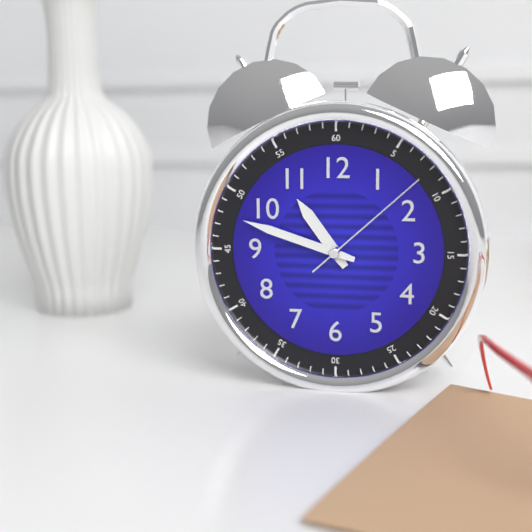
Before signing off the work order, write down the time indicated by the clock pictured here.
10:48:08
